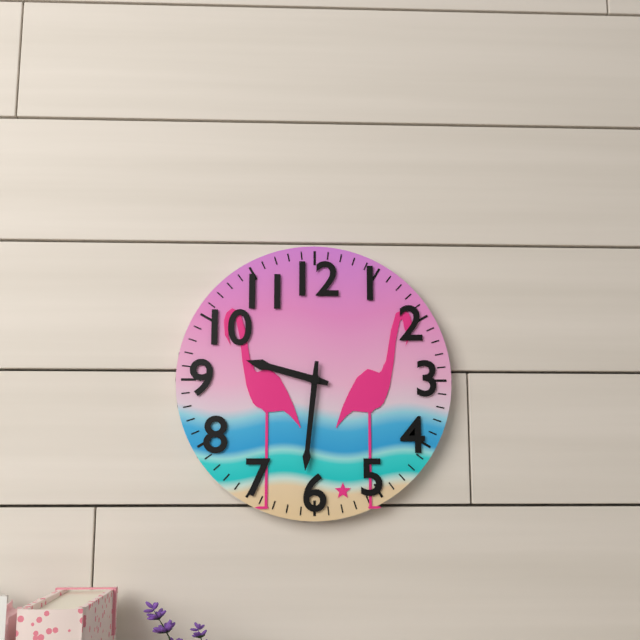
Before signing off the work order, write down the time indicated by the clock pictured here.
9:31
